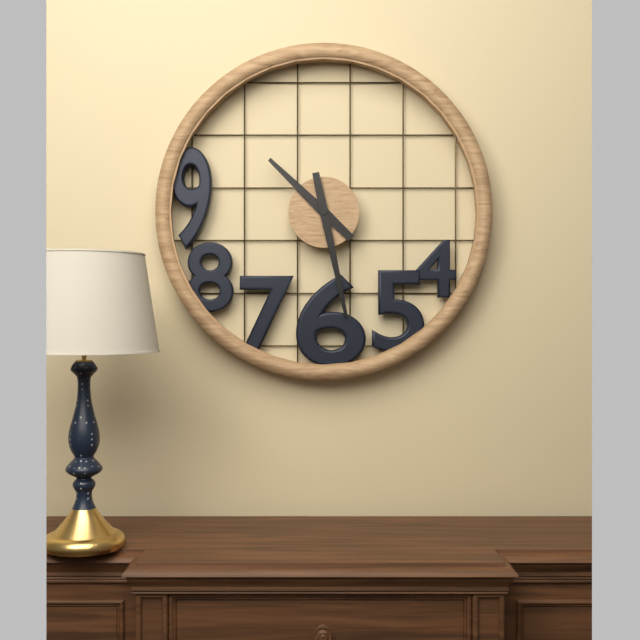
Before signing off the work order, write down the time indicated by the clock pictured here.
10:28
